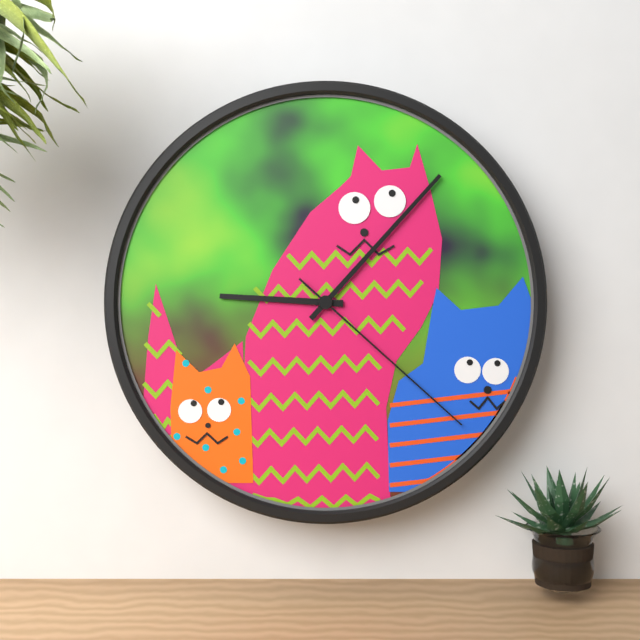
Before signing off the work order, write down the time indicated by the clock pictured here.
9:07:22
